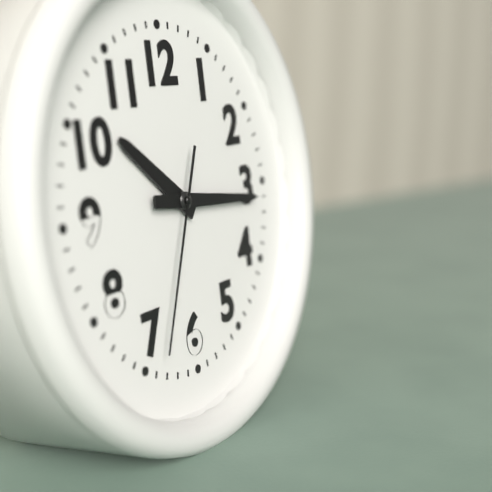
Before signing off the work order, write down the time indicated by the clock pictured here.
10:16:34
